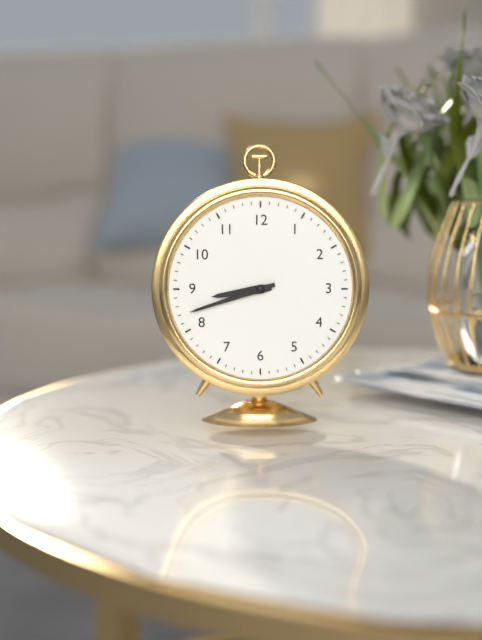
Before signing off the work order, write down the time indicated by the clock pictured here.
8:42
